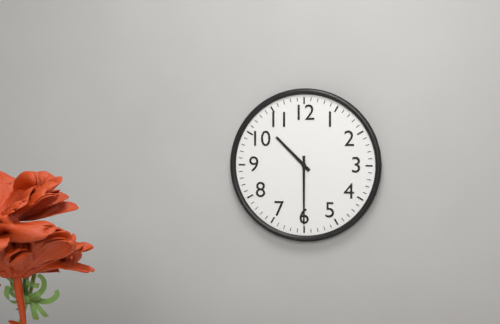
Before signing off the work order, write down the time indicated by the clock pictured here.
10:30
